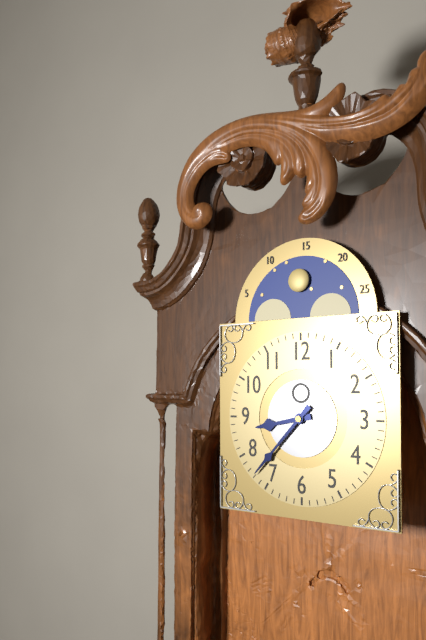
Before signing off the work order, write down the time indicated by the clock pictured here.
8:37
